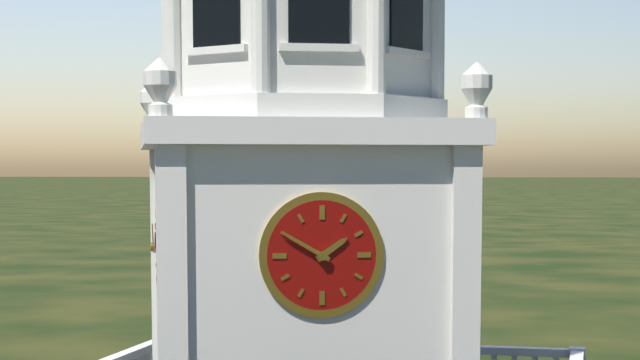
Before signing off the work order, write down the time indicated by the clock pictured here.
1:50
